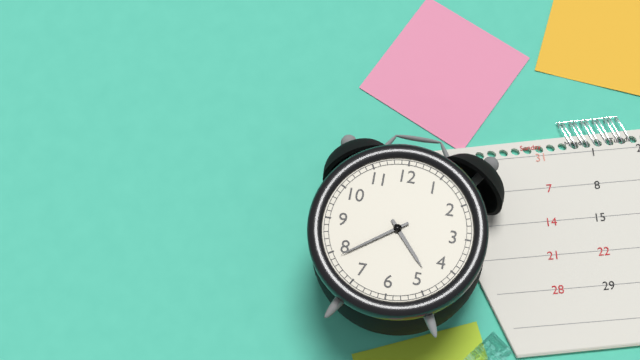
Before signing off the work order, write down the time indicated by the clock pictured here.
4:39
